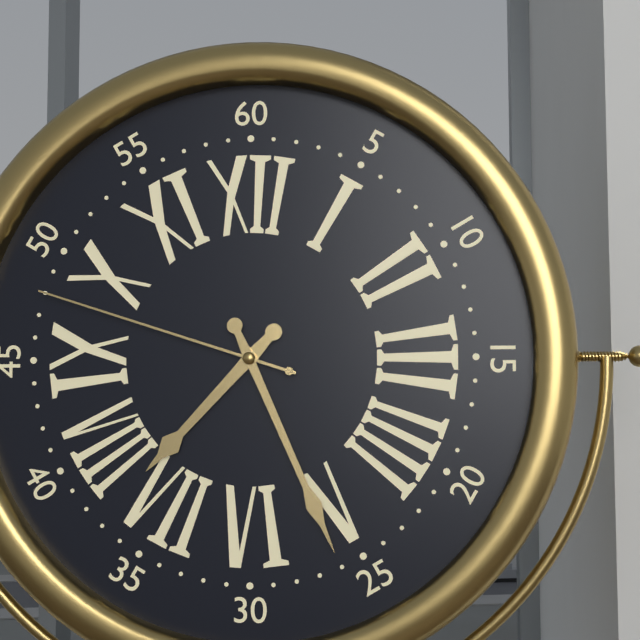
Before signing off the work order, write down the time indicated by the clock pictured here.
7:26:48
